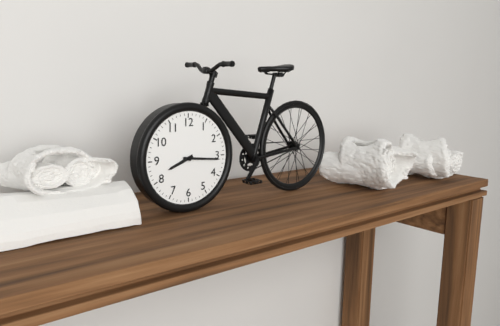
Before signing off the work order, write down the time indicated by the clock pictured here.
8:16
